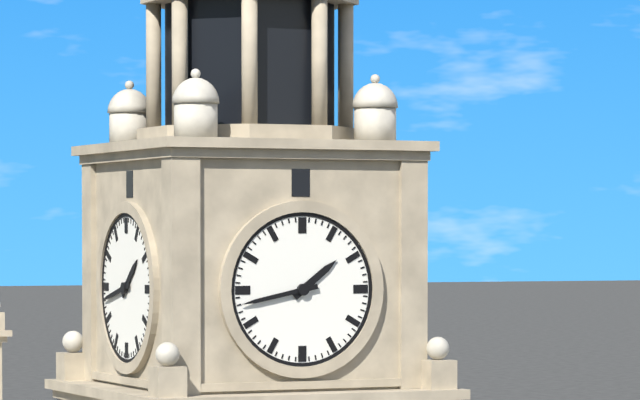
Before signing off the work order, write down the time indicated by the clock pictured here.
1:43
